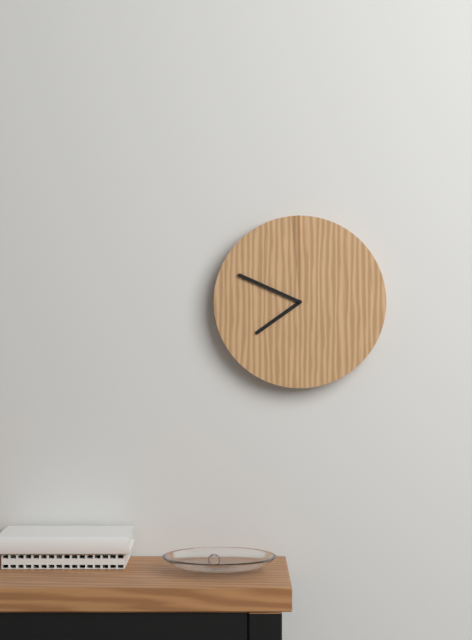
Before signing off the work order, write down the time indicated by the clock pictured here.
7:49
